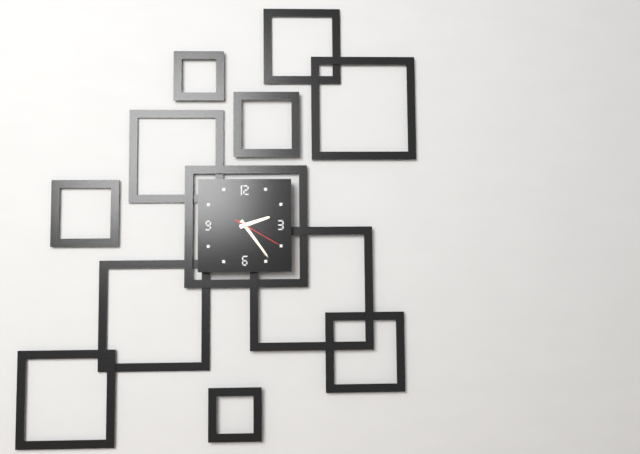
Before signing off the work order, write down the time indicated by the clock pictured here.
2:24:20
